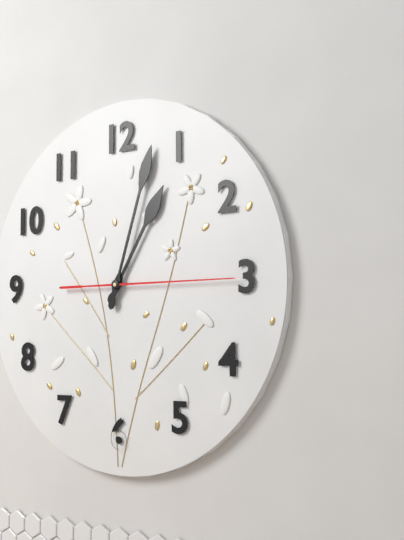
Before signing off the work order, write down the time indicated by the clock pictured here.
1:03:15
